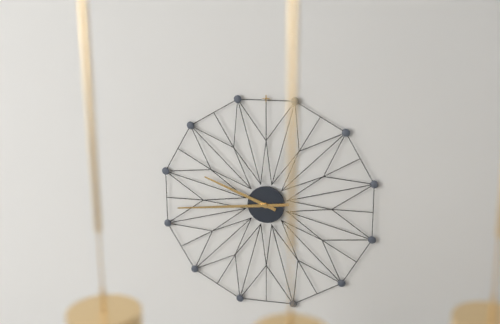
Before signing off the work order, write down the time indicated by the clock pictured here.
9:44
